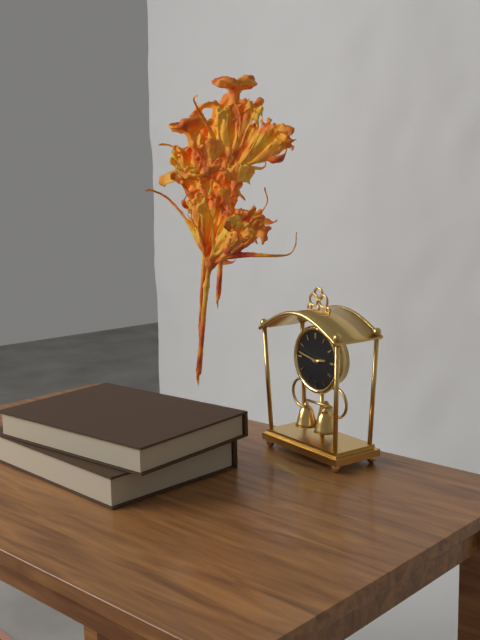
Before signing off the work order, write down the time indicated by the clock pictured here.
2:47
